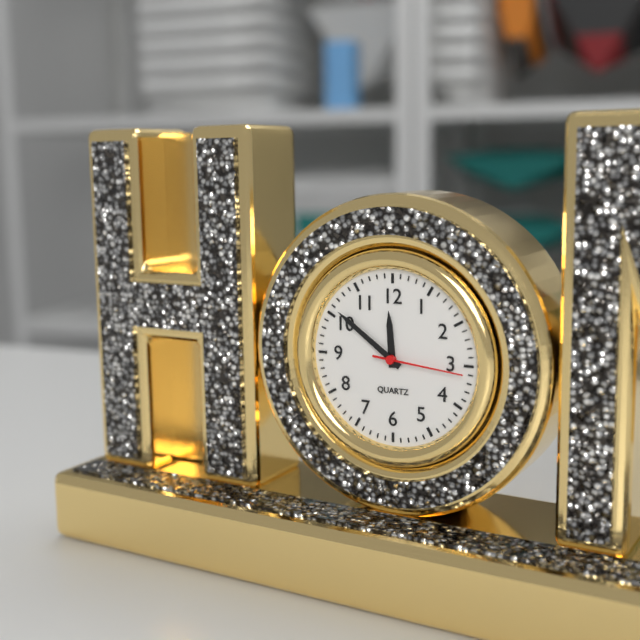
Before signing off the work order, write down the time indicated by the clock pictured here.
11:51:16
